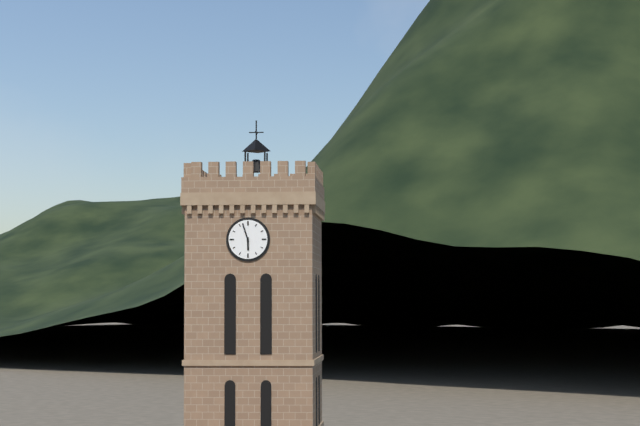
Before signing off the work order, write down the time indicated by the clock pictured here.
5:57
